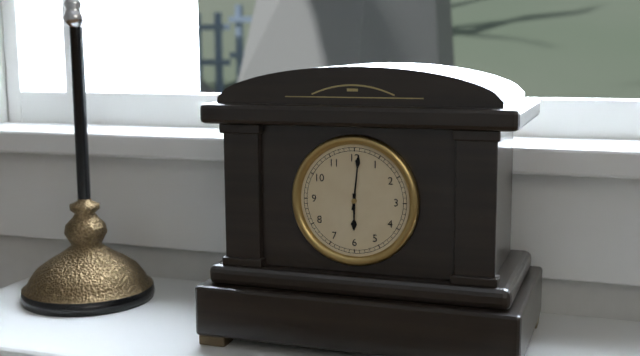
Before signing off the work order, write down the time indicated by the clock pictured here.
6:01
